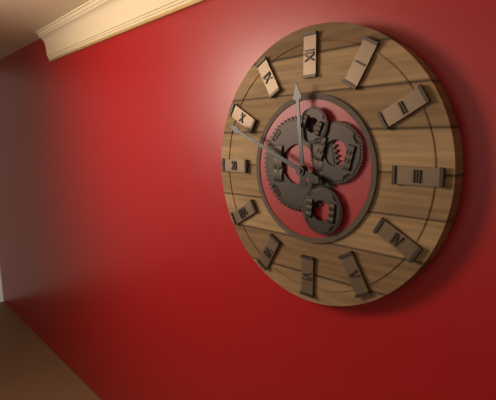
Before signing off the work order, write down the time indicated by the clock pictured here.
11:49
